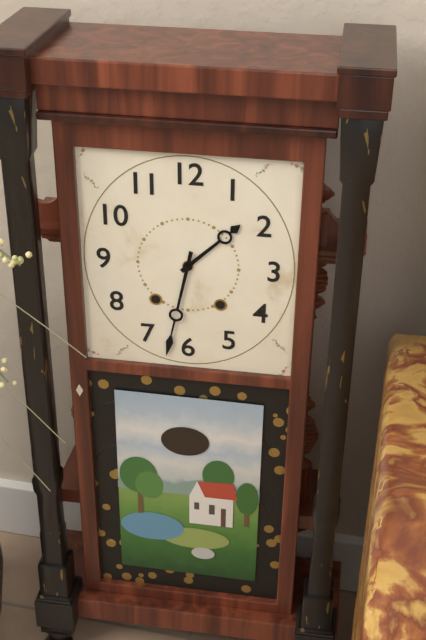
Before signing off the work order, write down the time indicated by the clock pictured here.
1:32
